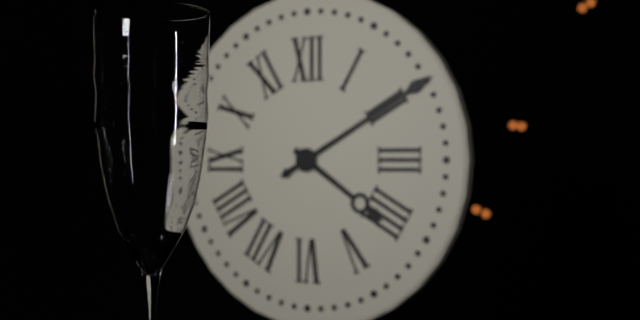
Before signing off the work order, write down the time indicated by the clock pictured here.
4:10
